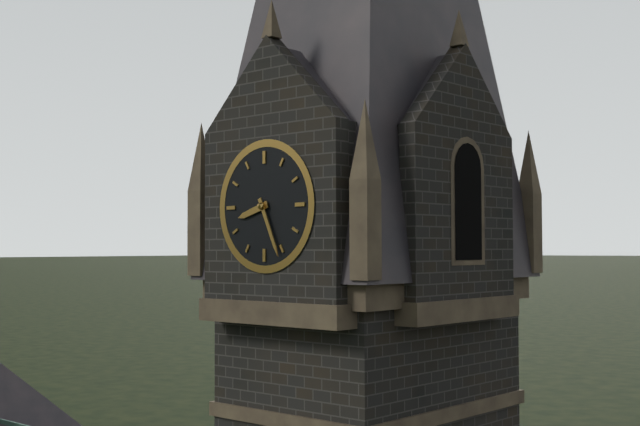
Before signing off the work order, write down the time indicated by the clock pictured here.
8:26
